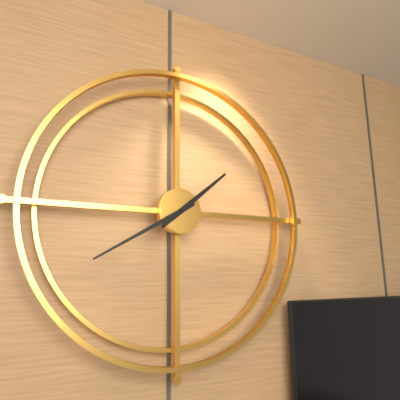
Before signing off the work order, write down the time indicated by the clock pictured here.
1:40
